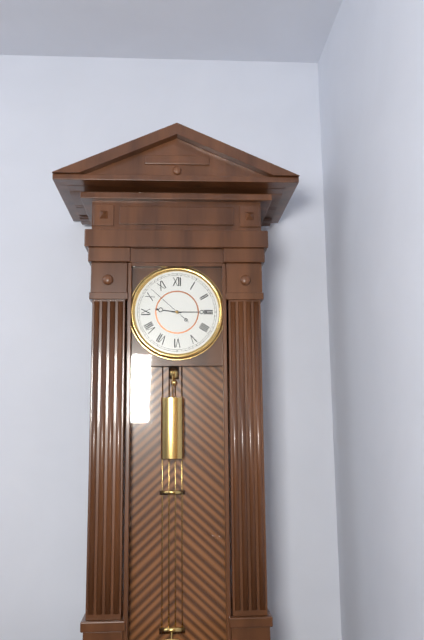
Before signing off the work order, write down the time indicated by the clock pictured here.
9:15
